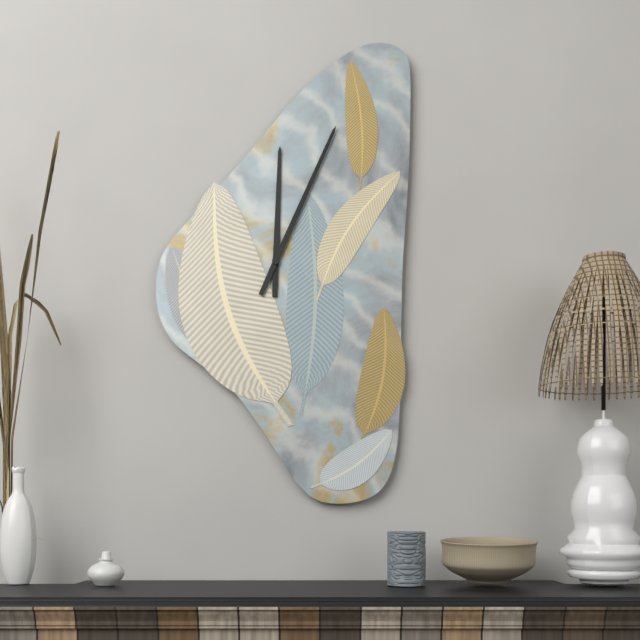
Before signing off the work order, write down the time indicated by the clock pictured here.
12:04
